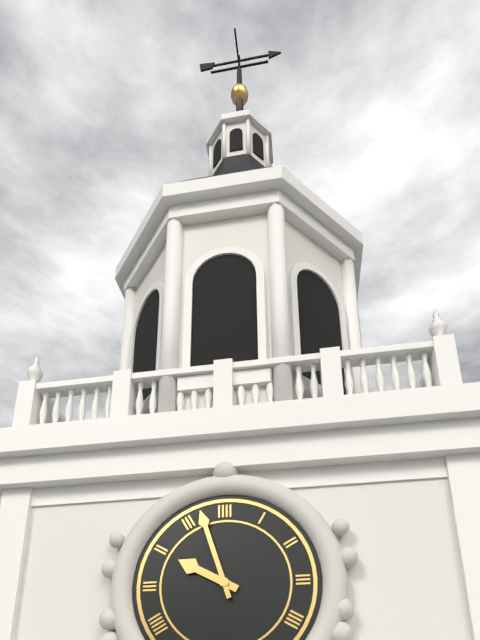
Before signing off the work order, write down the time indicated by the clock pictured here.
9:57
